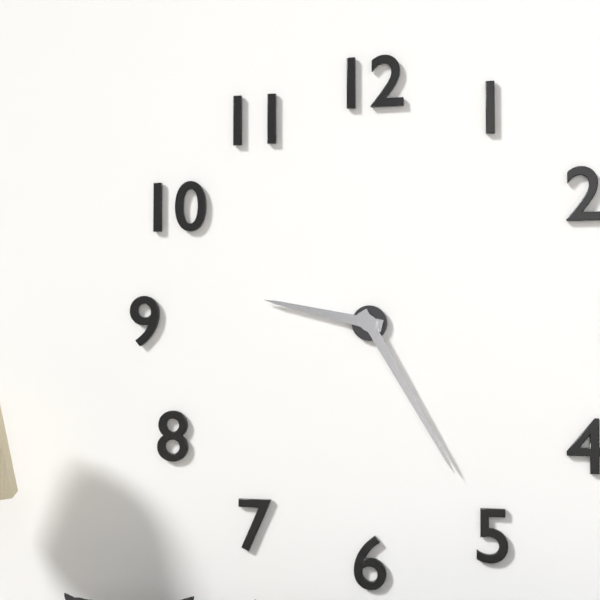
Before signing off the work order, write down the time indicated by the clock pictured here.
9:25
